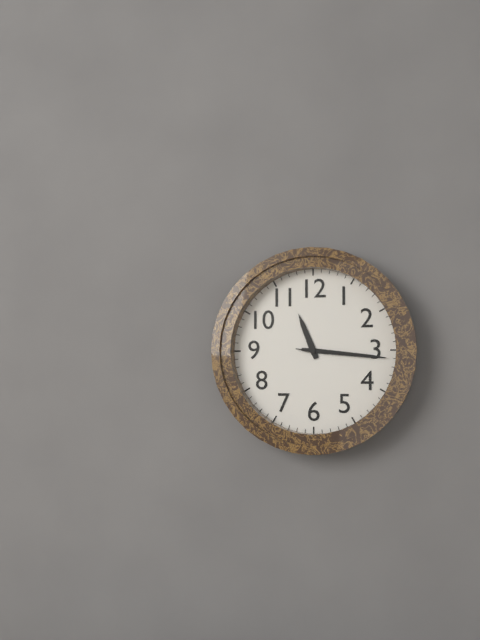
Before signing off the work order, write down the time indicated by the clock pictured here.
11:16:16
